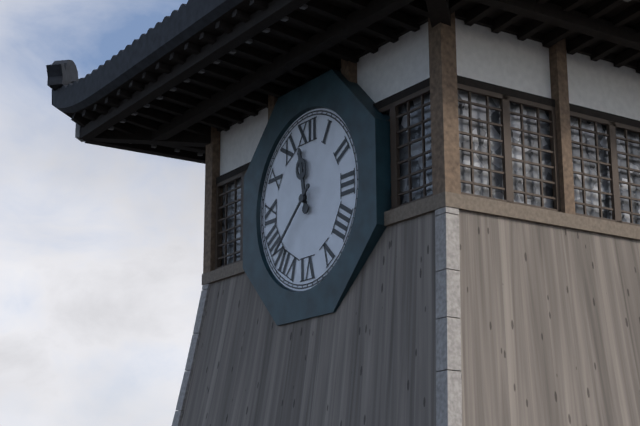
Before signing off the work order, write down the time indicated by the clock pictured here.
11:38
